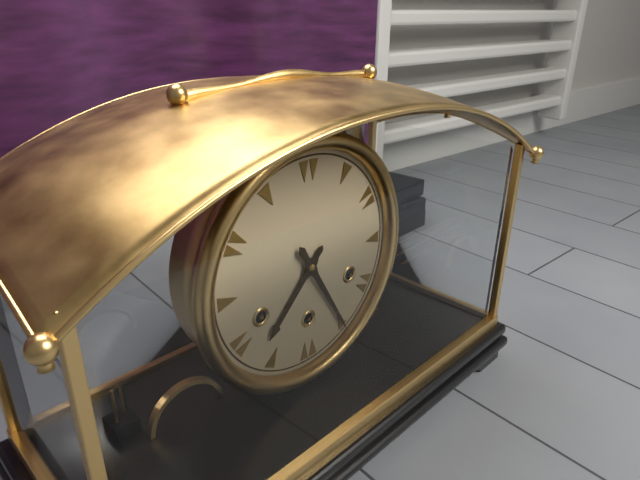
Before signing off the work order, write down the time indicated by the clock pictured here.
7:25
